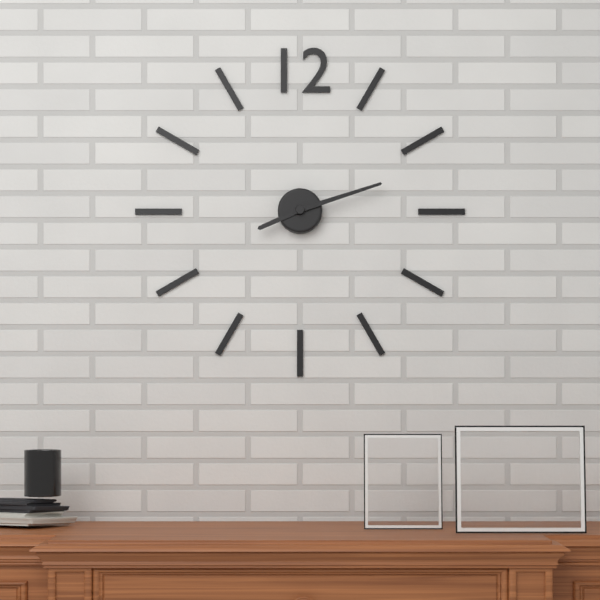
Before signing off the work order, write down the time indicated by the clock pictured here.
8:12
